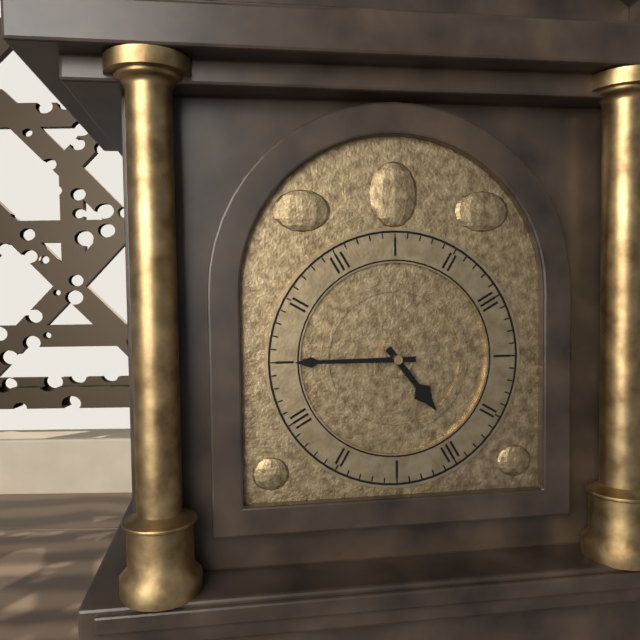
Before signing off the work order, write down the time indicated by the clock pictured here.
4:45
